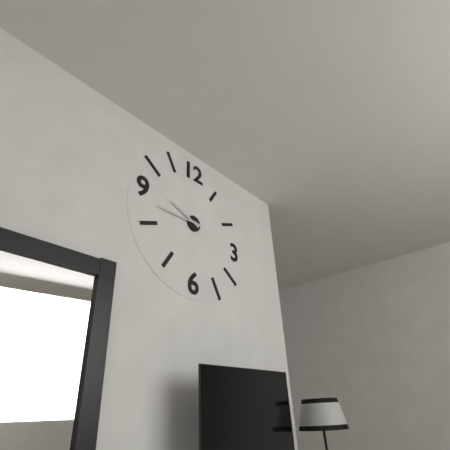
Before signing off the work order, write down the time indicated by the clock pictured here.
9:45
